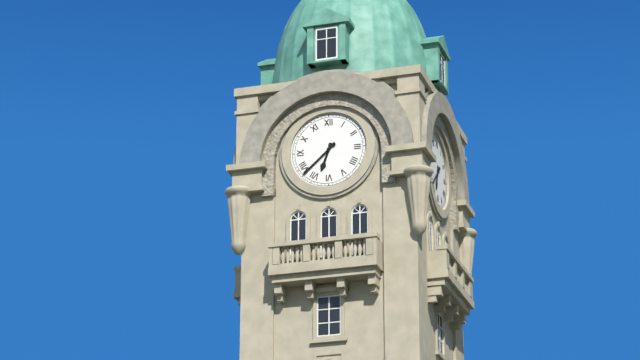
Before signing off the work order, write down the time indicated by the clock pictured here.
6:38
